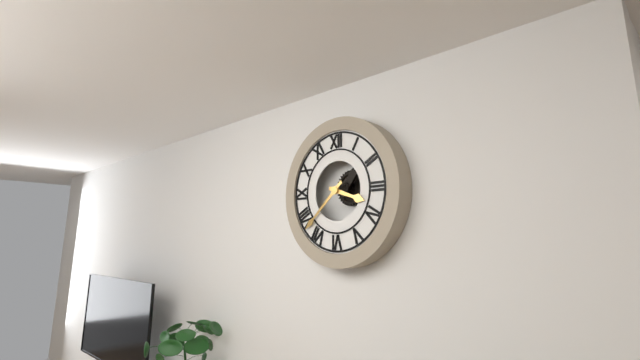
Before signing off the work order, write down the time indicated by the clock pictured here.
3:38
